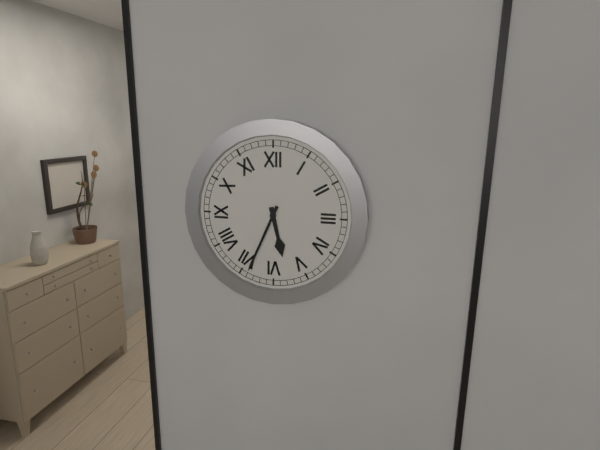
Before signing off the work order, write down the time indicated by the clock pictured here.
5:34
